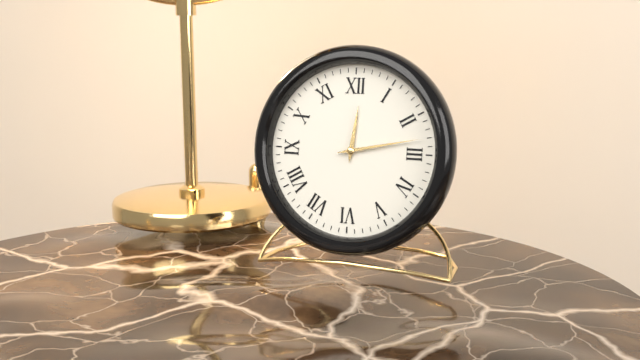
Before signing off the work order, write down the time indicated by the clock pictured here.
12:13
